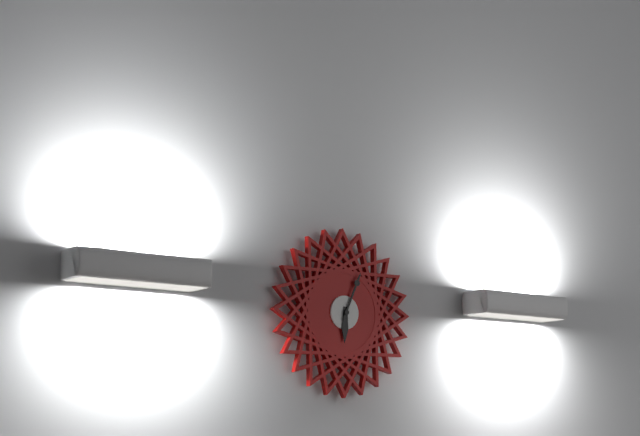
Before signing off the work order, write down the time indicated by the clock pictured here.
6:04
